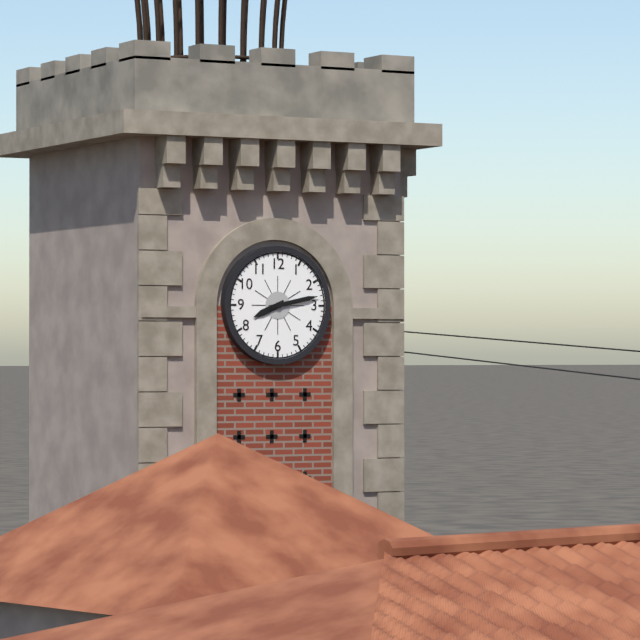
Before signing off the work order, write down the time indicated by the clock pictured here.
8:13
